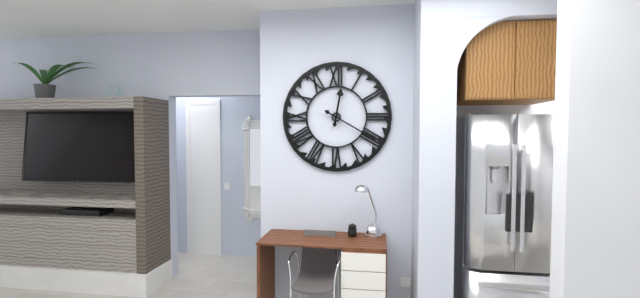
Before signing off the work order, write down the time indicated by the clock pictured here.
12:20
